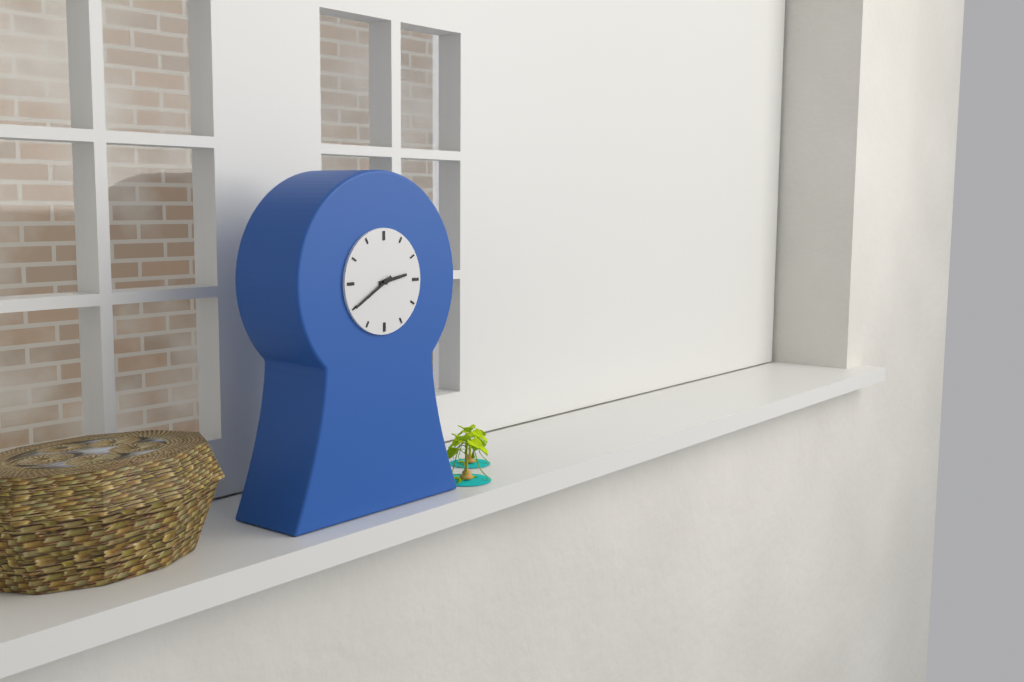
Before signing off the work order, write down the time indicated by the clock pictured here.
2:40
